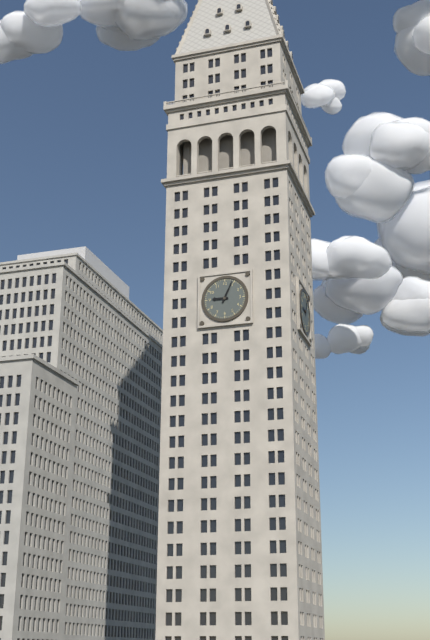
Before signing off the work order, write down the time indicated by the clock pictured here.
9:04
